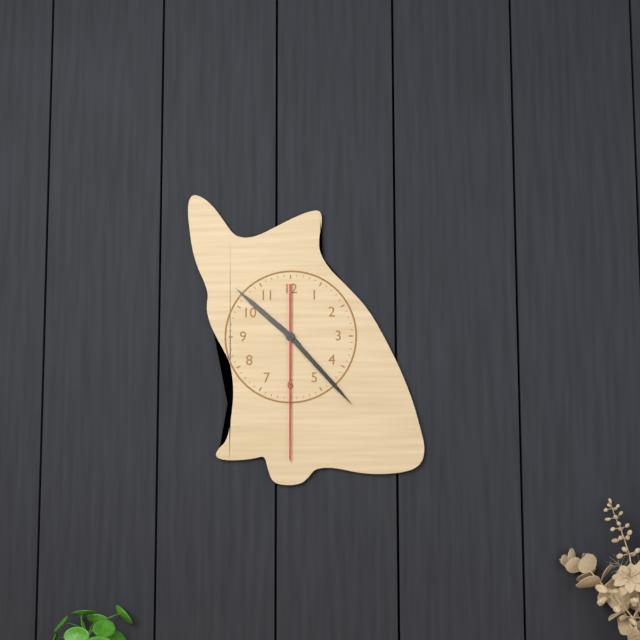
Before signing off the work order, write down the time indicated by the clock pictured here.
10:23:30
